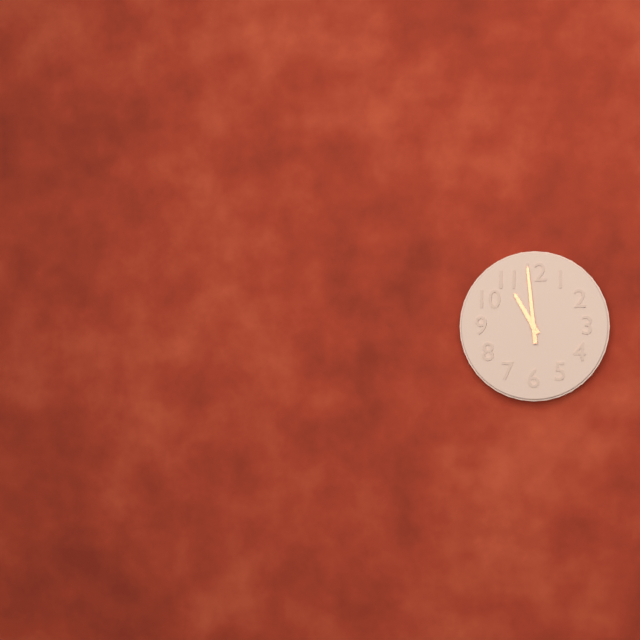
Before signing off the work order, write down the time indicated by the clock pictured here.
10:59
